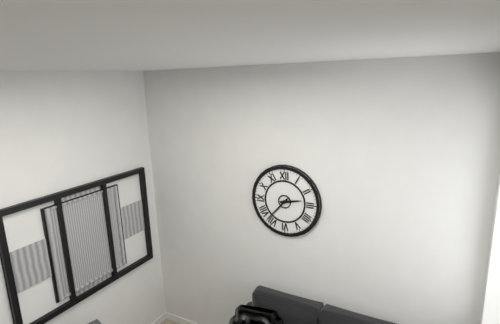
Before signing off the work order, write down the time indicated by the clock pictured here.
2:37
